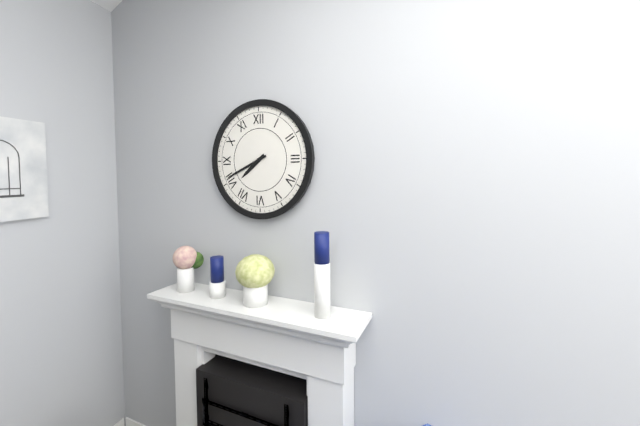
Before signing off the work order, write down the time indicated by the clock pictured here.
7:41
